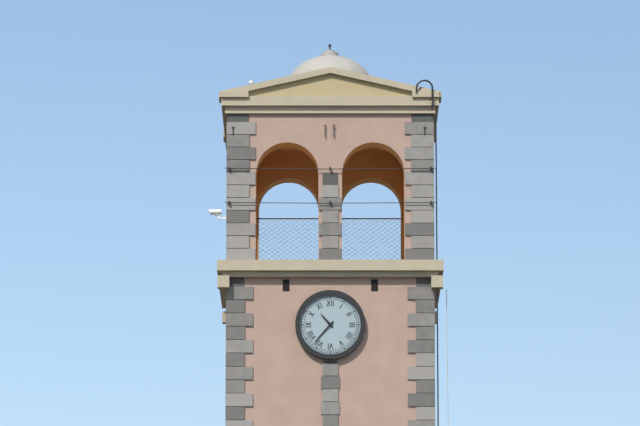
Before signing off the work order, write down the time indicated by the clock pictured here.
10:37
